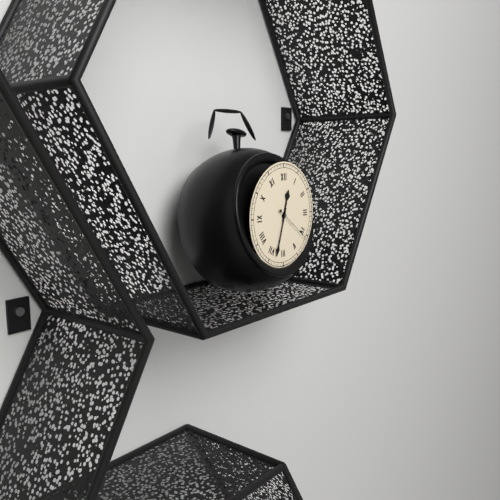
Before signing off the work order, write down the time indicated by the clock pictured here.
12:33
